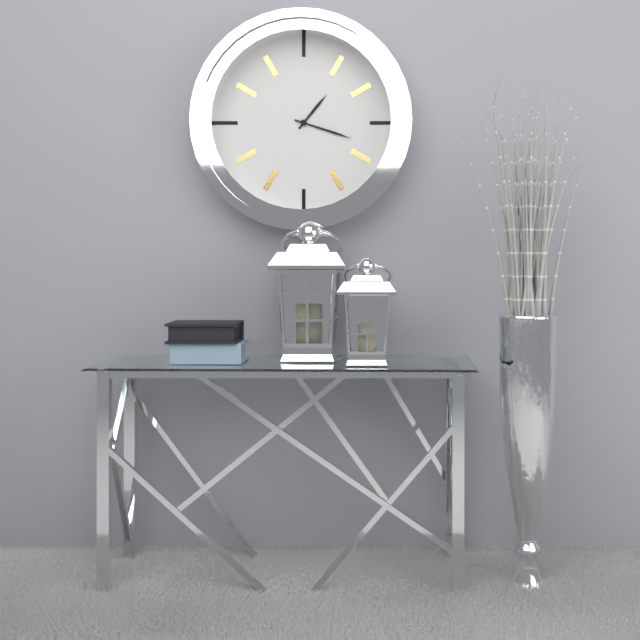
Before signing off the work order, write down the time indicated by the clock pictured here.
1:18
